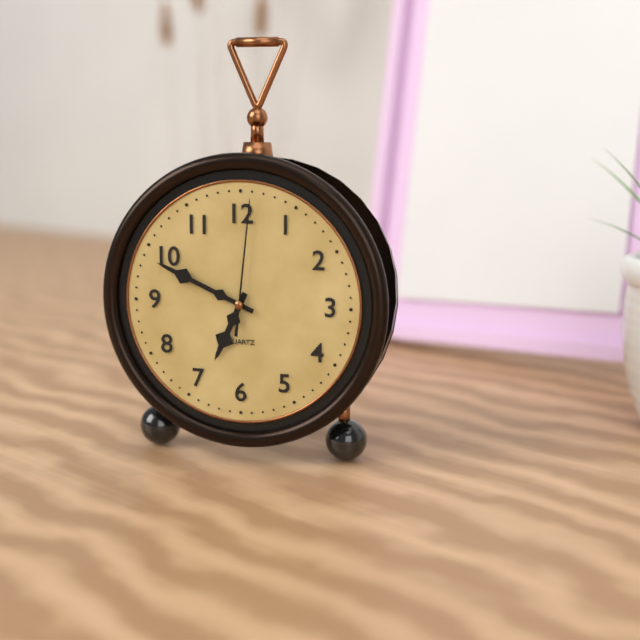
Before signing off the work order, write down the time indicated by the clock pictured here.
6:49:01
